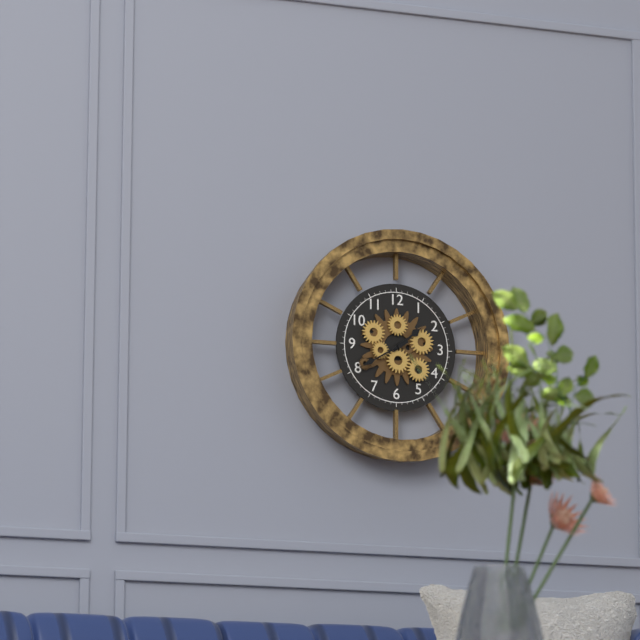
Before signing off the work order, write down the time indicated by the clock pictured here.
1:40
